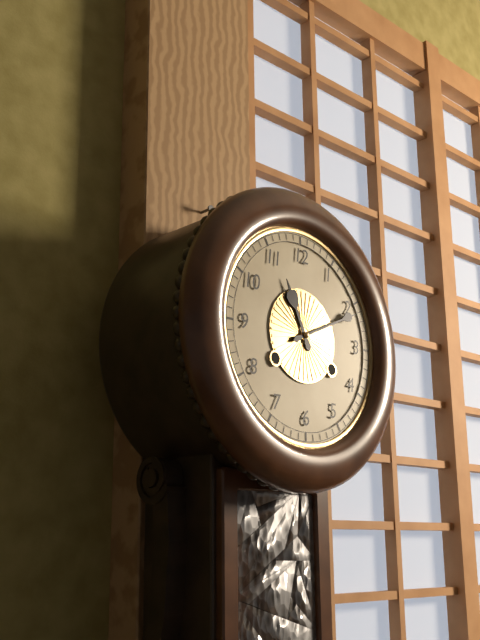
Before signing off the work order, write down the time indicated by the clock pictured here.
11:11
